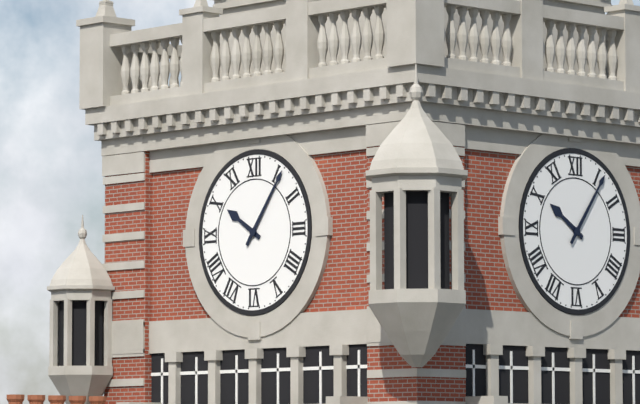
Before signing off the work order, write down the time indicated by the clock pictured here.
10:06
